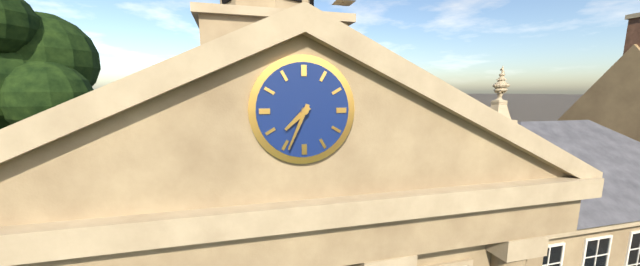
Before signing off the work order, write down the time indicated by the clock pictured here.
7:34
